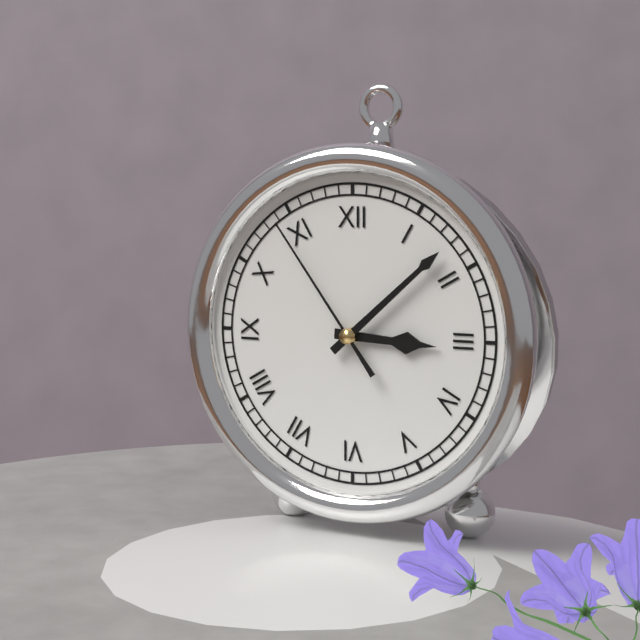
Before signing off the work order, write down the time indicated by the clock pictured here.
3:08:54
